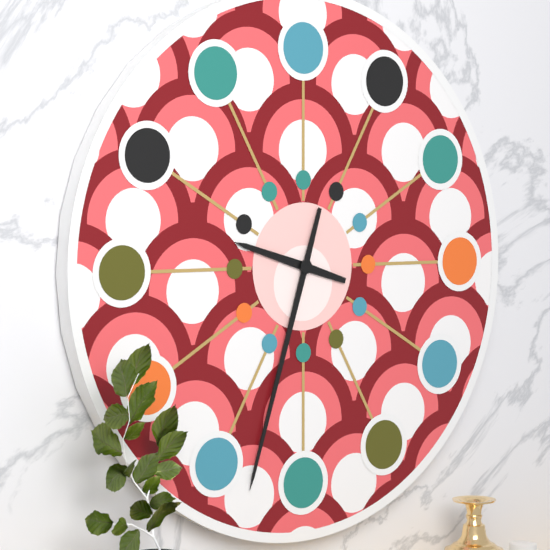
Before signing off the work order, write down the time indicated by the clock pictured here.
9:33
